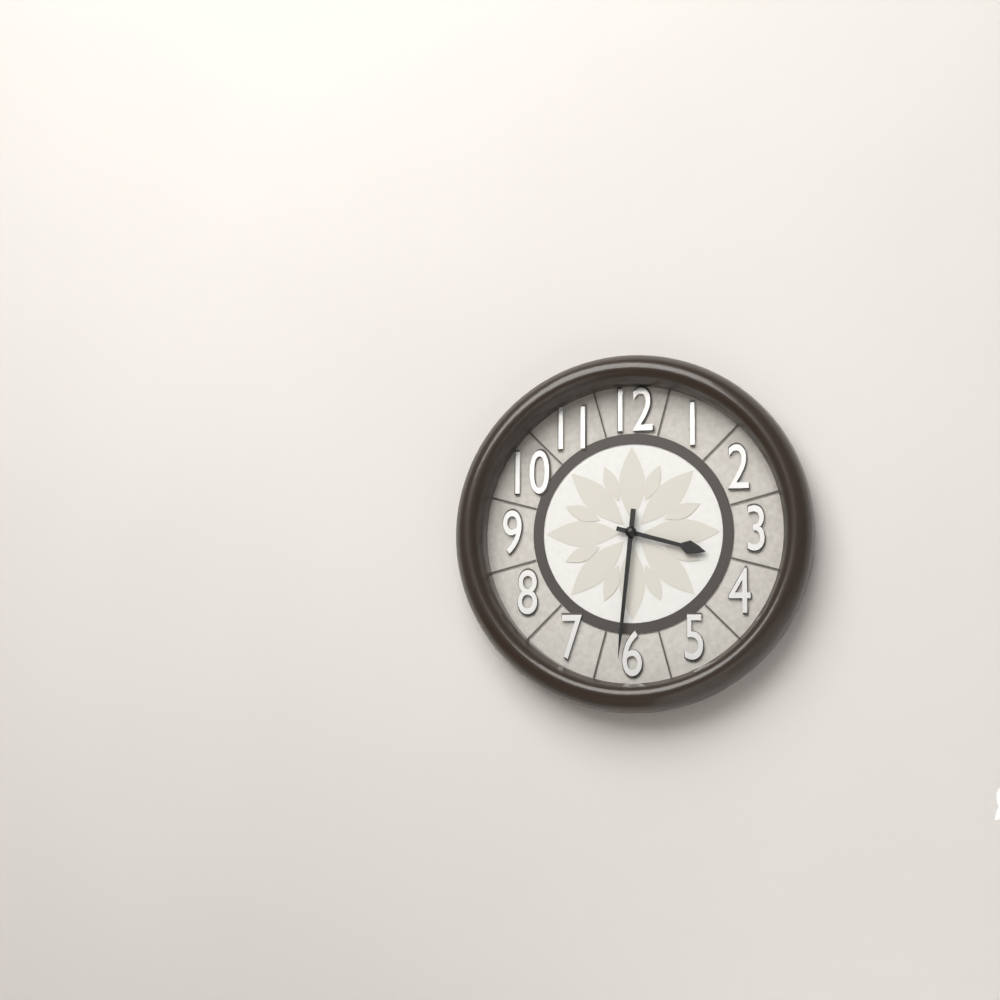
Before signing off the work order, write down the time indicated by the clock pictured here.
3:31
